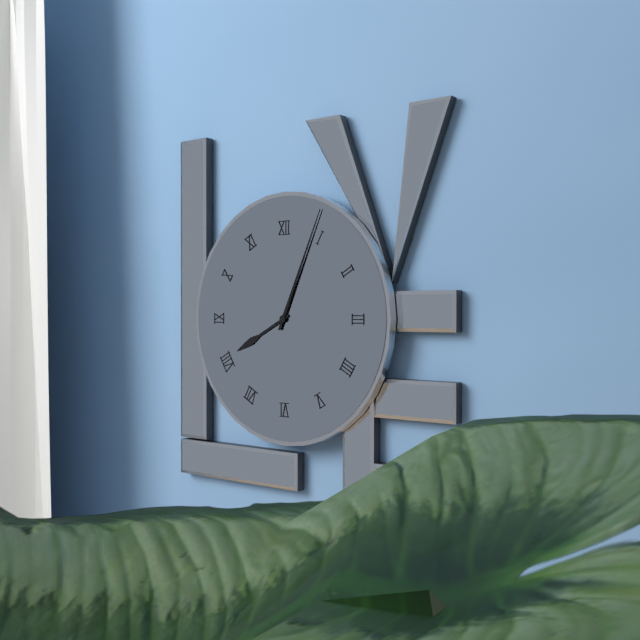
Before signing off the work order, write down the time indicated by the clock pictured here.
8:04
